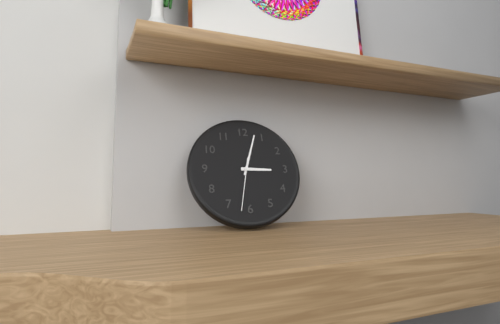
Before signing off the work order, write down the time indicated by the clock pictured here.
3:03:32
